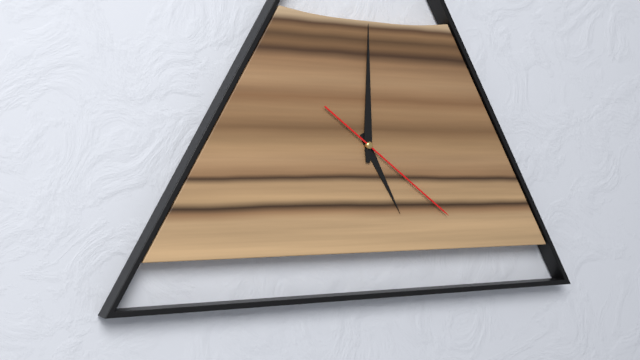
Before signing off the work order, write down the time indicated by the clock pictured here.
5:00:21
